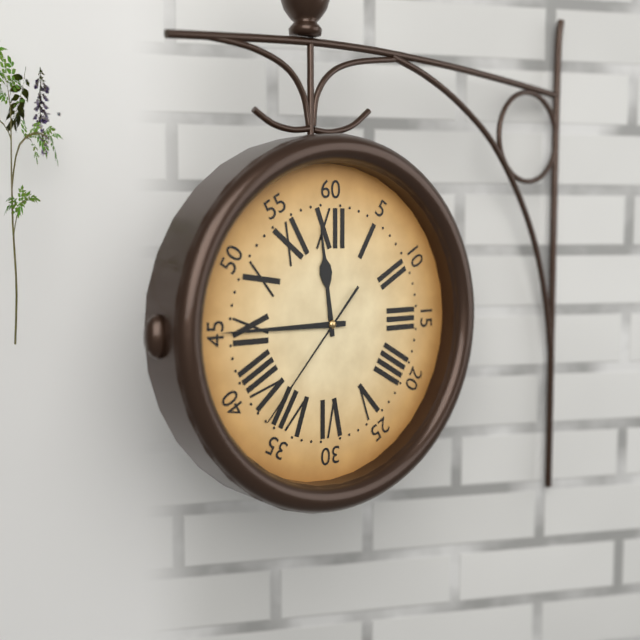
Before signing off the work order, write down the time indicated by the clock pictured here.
11:45:37
